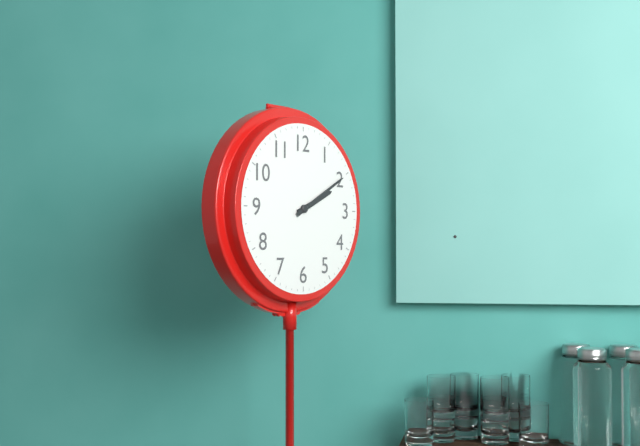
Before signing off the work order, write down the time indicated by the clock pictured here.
2:10
